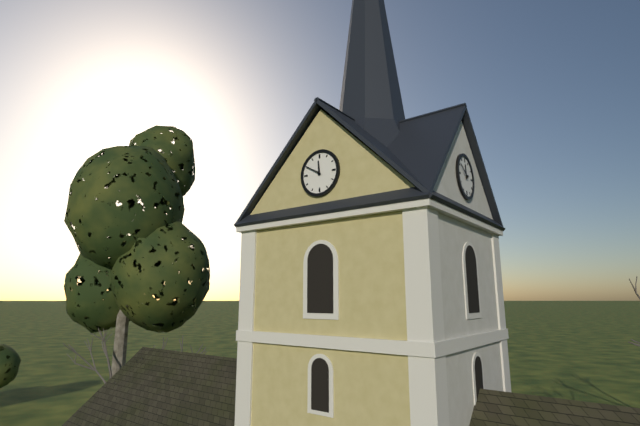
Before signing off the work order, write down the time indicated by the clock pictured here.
11:50
